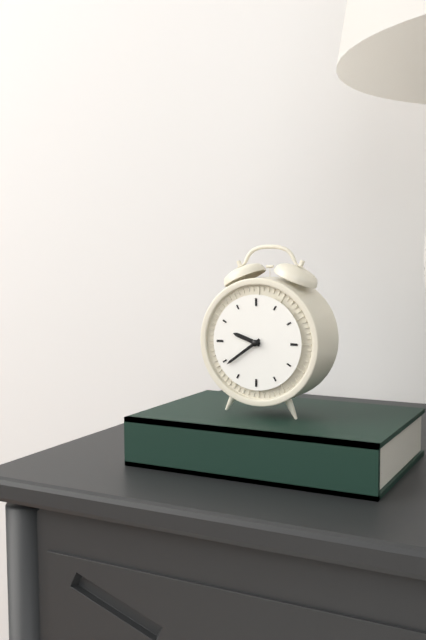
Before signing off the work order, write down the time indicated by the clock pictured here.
9:39
